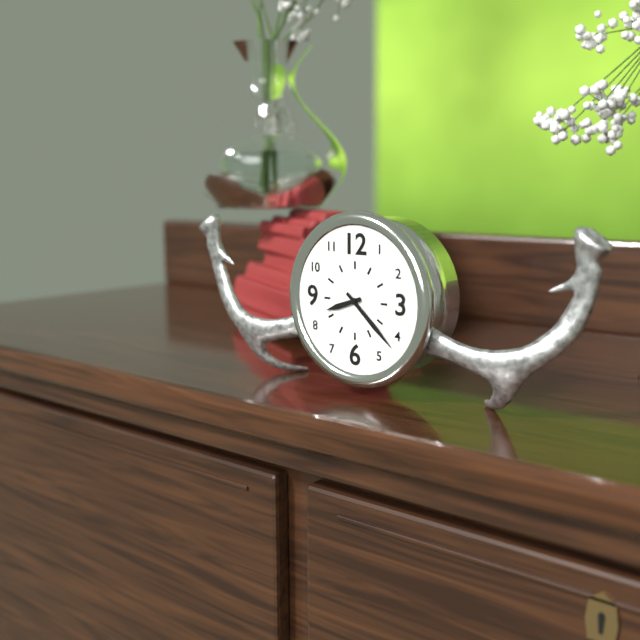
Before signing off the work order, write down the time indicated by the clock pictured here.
8:22
